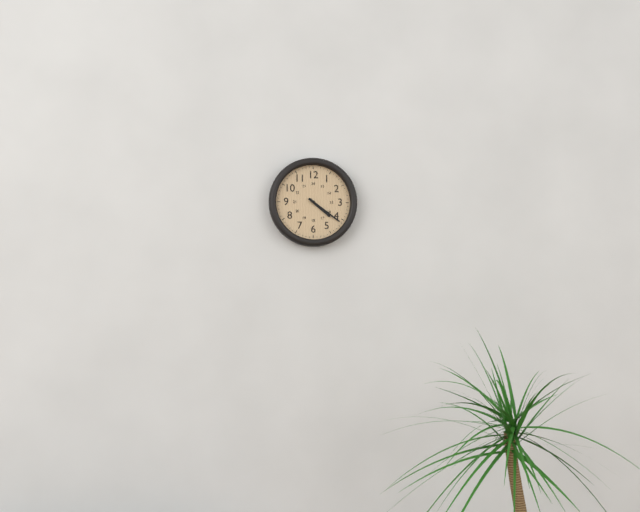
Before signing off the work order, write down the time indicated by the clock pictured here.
4:21
